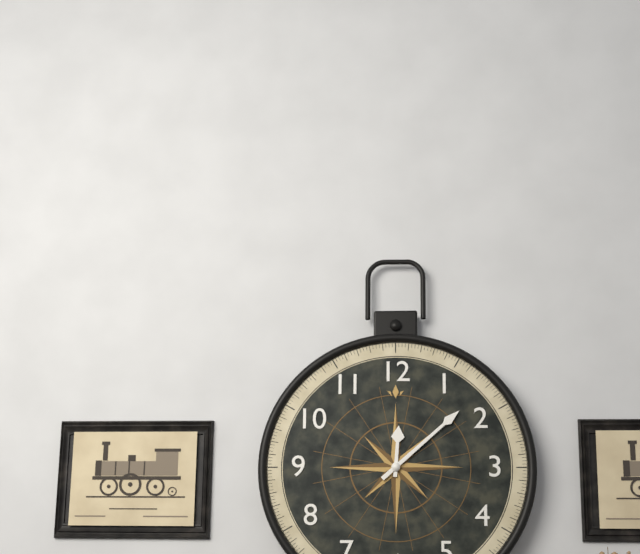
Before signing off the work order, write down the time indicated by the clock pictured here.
12:08
